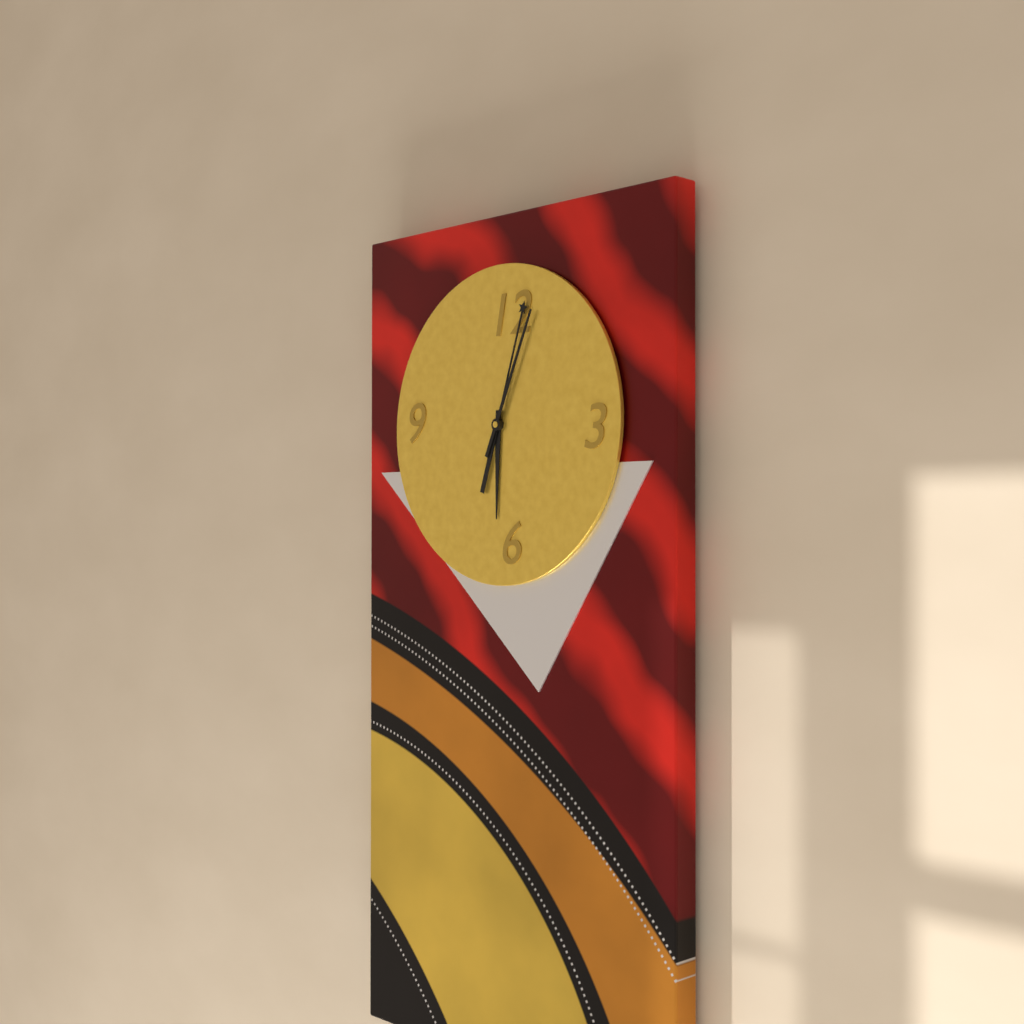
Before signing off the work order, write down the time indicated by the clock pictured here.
6:03:04
